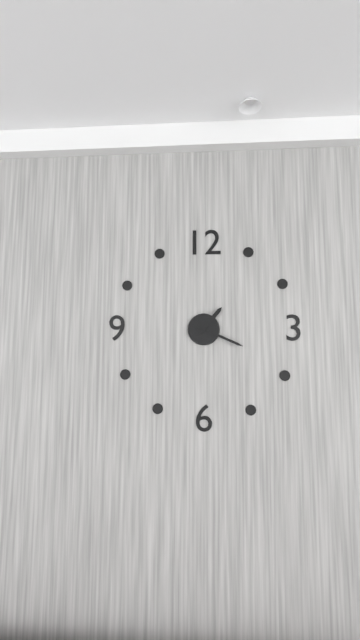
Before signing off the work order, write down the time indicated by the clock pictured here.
1:19
